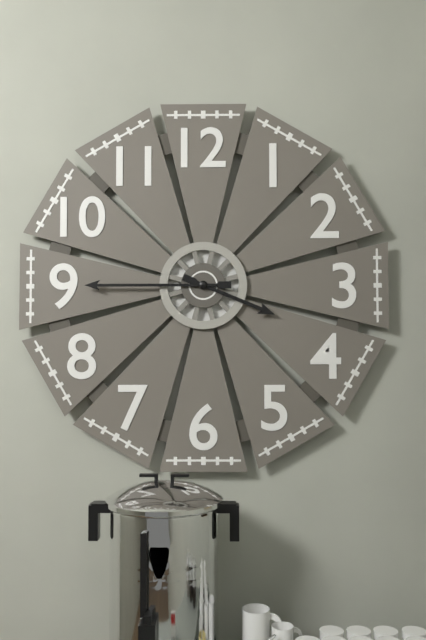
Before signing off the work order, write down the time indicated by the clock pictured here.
3:45
